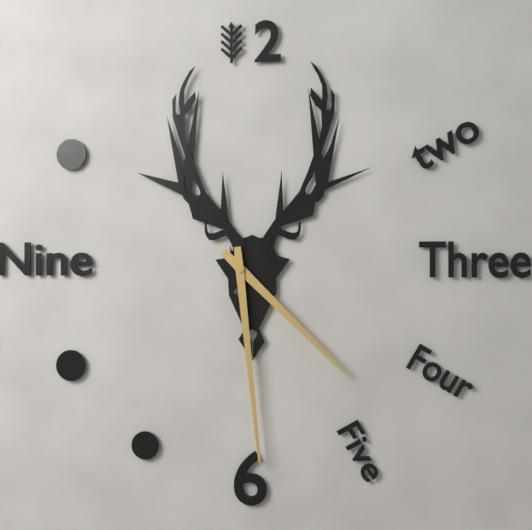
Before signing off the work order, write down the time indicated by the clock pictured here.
4:29
